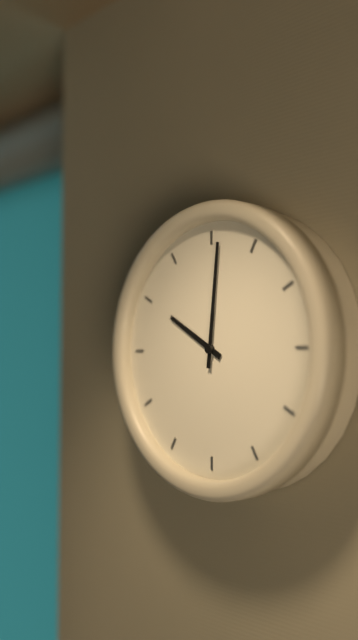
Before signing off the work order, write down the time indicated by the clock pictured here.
10:01
